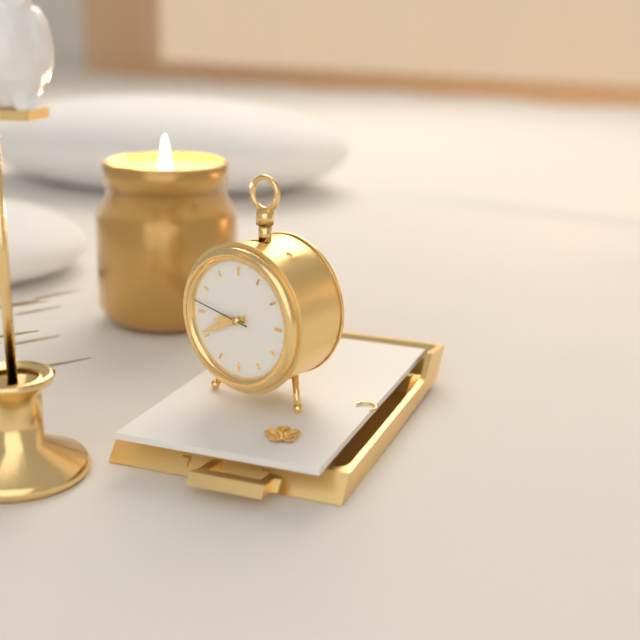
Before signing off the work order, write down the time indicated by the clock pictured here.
8:41:47
